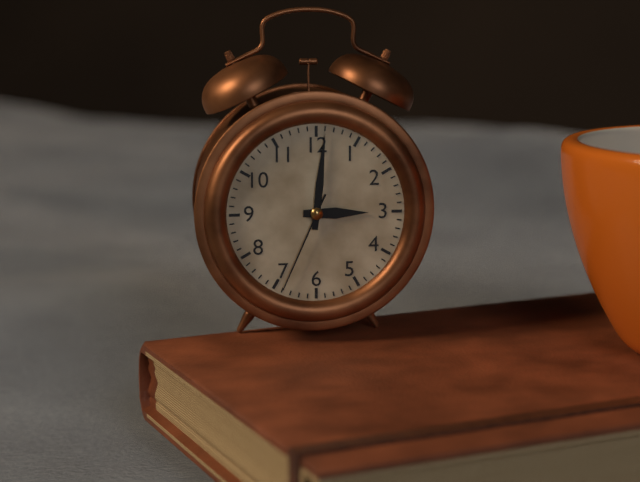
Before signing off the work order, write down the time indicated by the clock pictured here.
3:01:34
